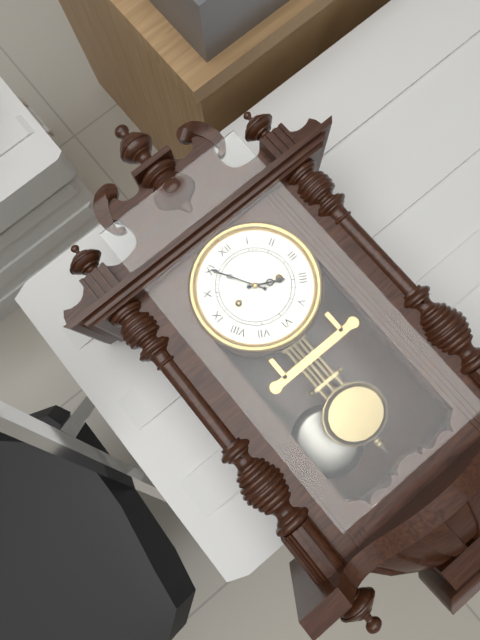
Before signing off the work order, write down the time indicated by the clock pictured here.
3:55
